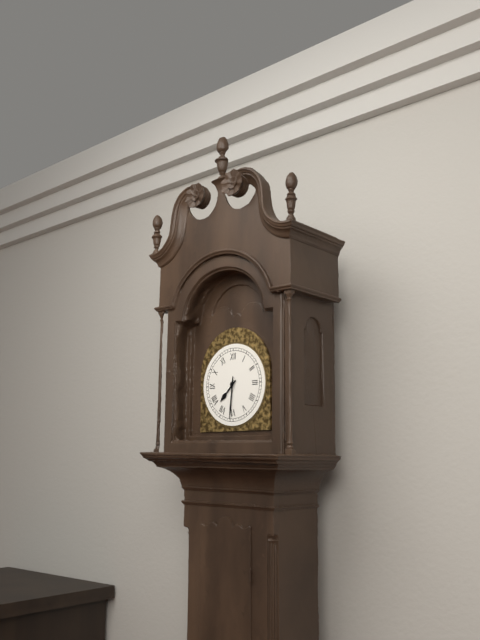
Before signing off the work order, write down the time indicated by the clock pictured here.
7:31
